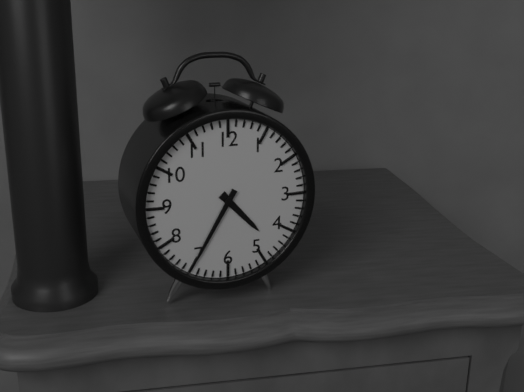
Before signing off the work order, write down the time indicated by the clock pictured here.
4:35
